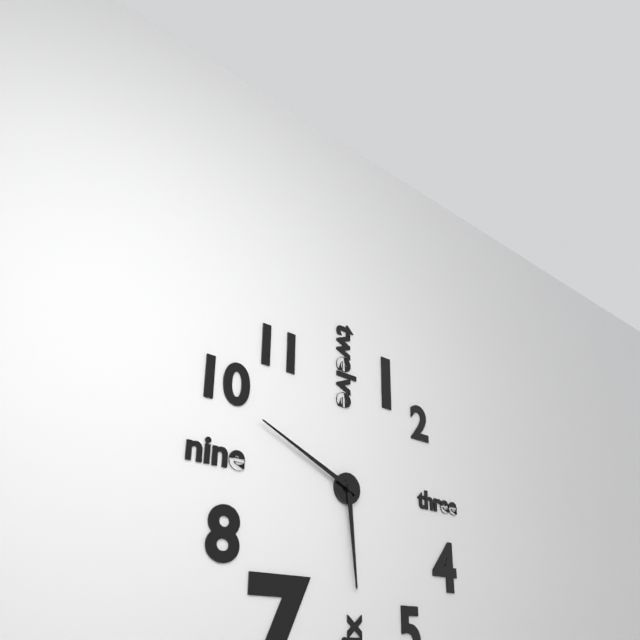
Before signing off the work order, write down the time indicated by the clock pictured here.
5:49
